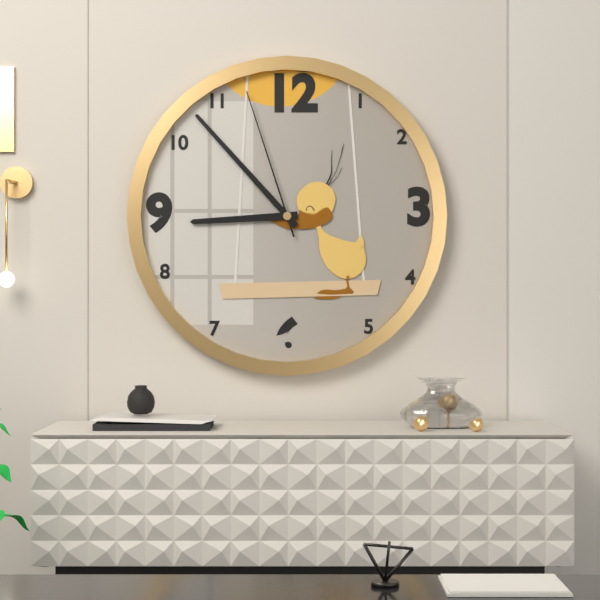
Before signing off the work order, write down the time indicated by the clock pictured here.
8:53:57
